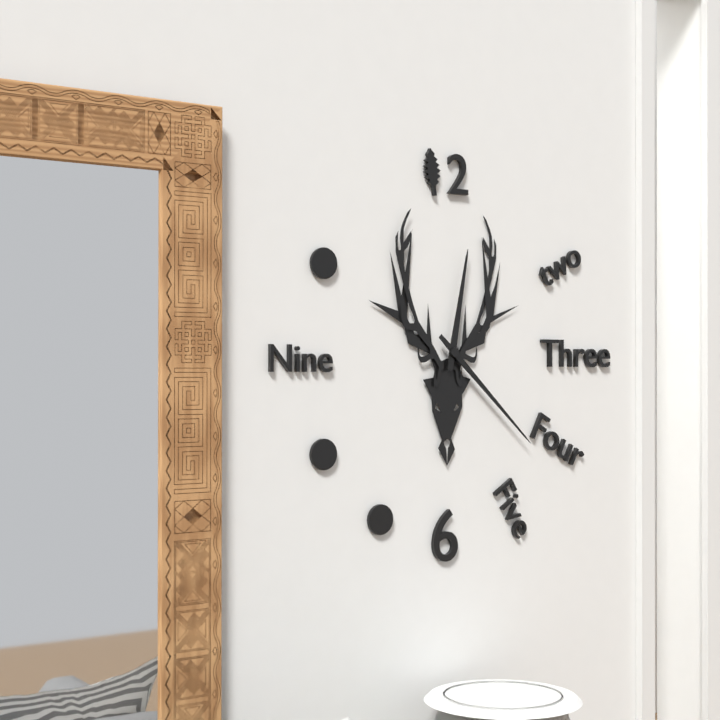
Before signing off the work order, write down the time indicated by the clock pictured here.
12:22
